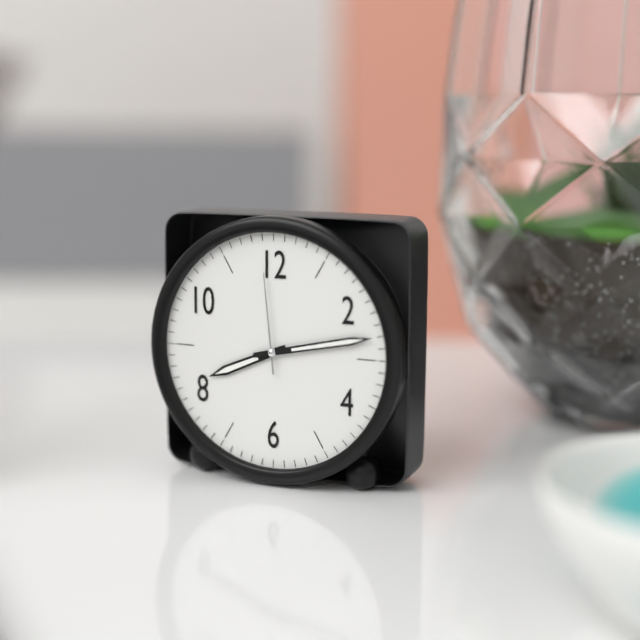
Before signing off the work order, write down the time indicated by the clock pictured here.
8:13:59
